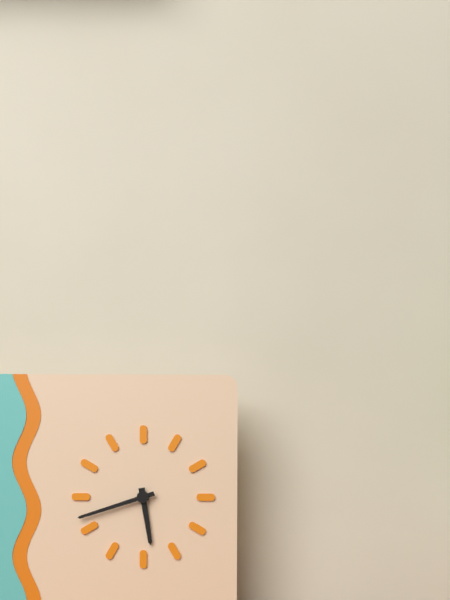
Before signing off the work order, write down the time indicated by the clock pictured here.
5:42
